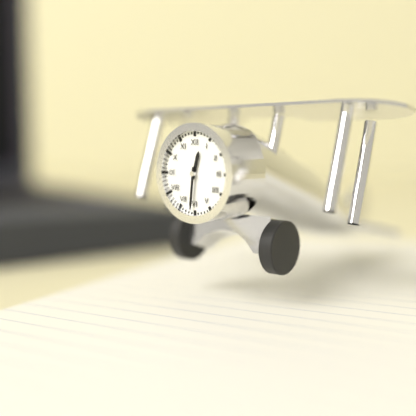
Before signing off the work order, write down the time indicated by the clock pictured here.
12:31
